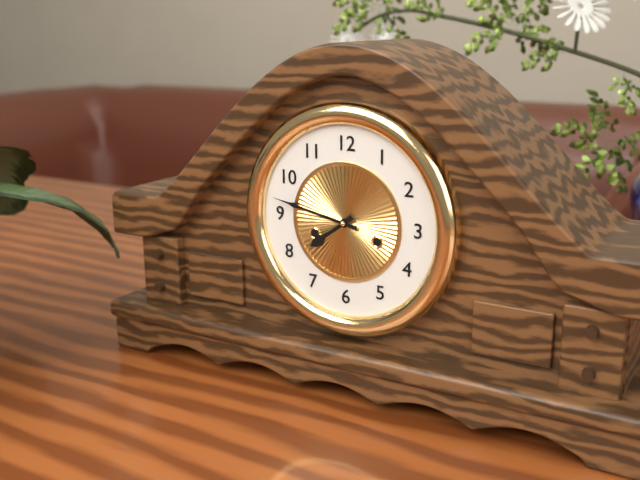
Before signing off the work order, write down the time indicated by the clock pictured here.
7:47
